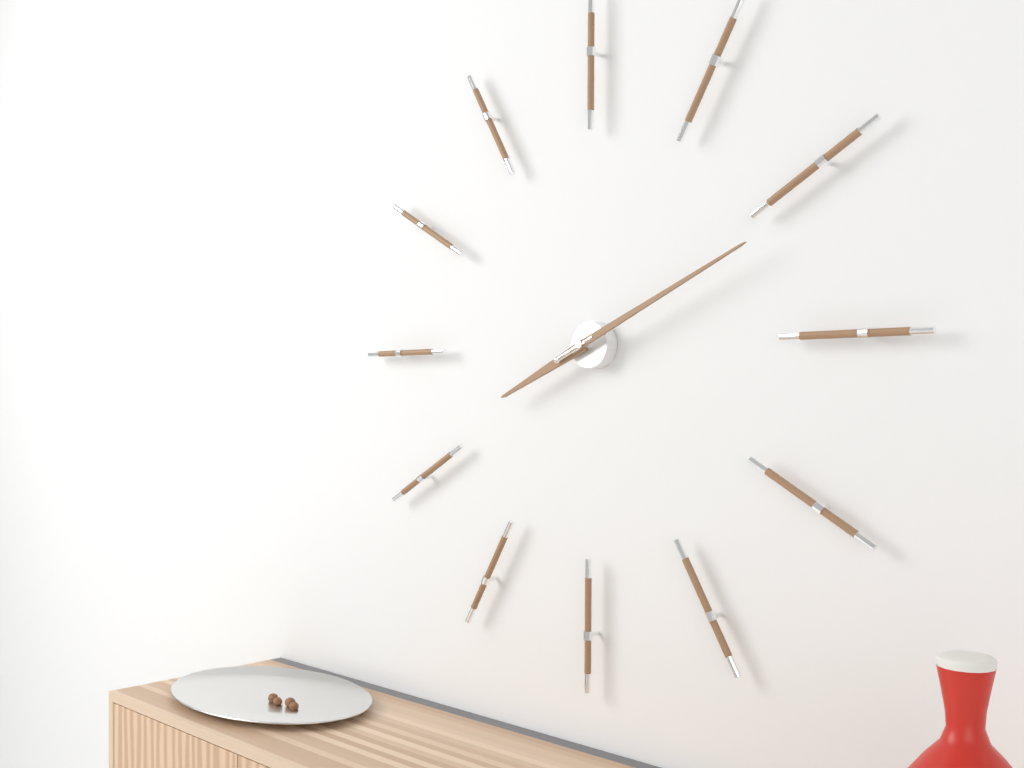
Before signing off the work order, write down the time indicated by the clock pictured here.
8:11
